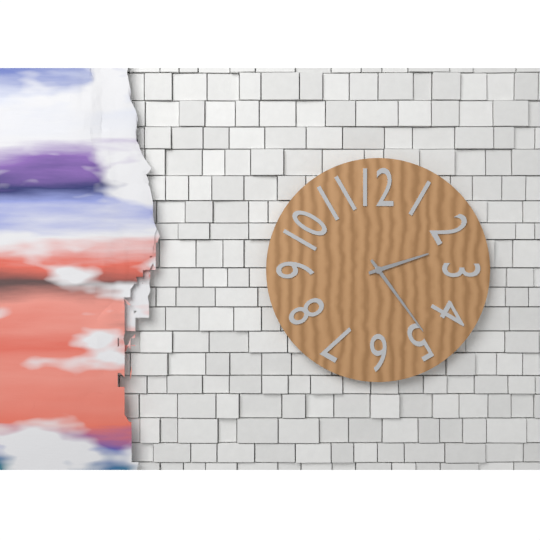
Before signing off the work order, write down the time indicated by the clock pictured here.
2:24
